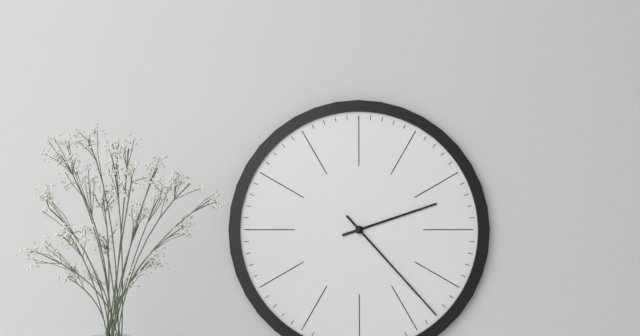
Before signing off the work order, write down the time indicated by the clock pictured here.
2:23
